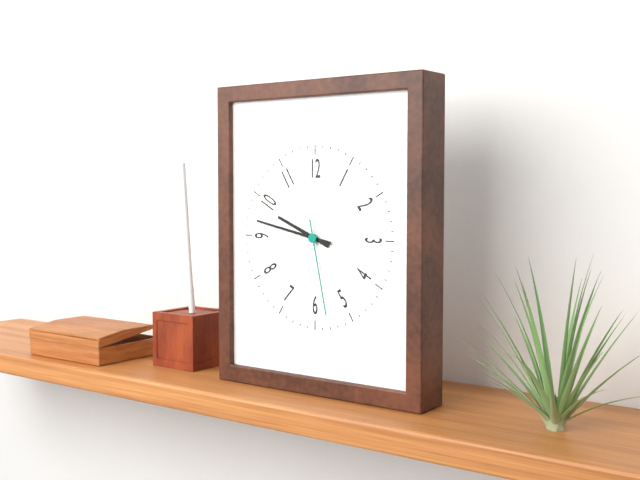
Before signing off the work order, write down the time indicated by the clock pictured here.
9:47:28
